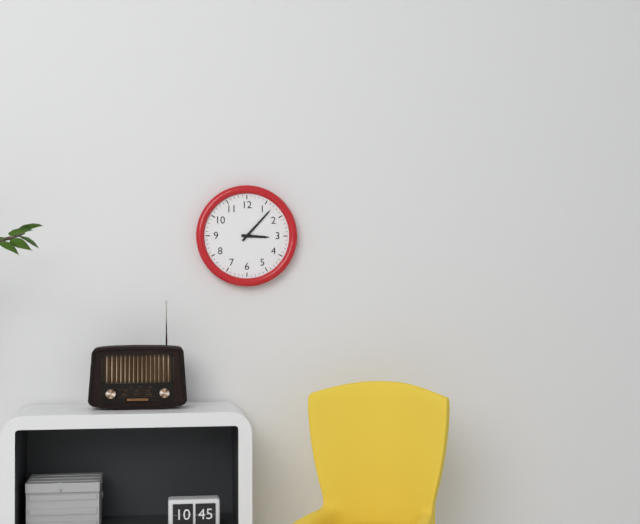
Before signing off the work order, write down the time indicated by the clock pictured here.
3:07
